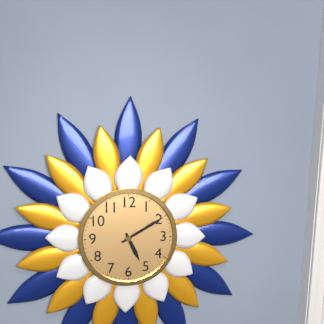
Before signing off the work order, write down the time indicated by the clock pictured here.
5:10
